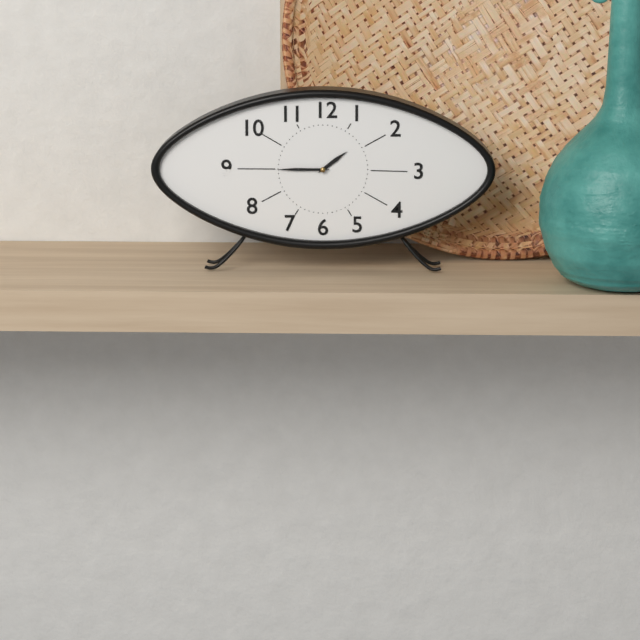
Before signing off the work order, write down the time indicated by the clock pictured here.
1:45
